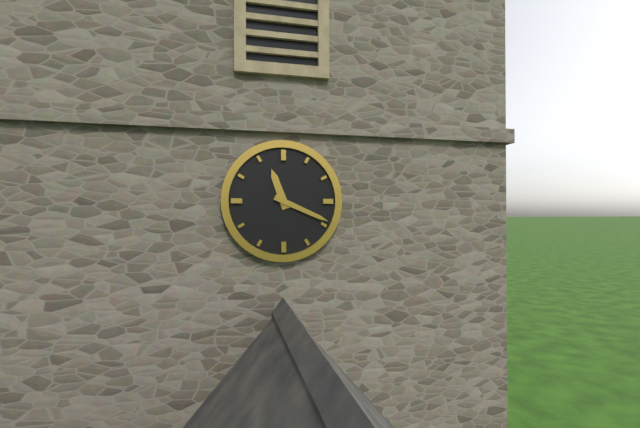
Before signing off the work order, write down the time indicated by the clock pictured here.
11:19
